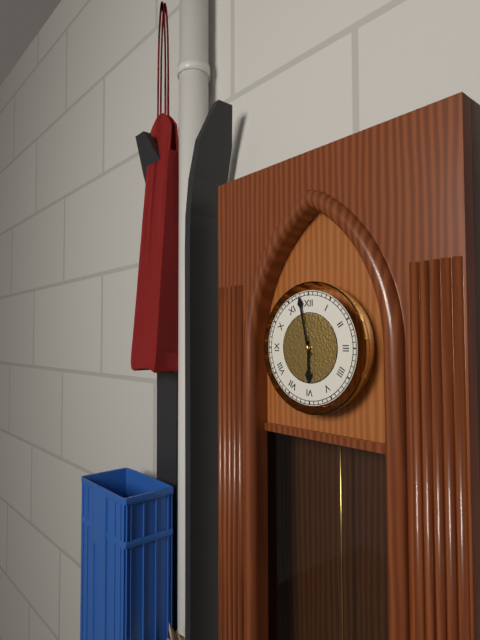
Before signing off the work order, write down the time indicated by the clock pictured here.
5:58
